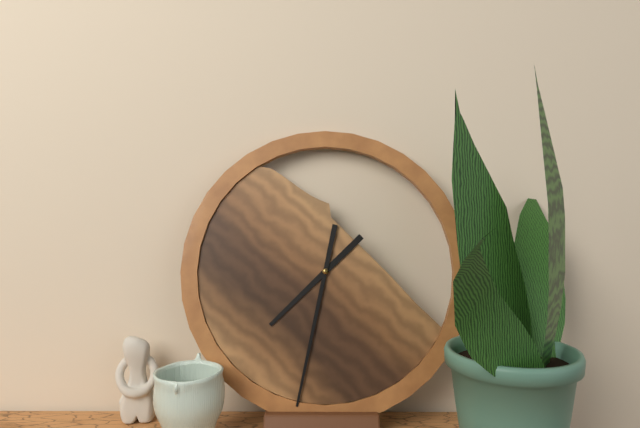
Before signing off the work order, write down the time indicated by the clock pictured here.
7:32
